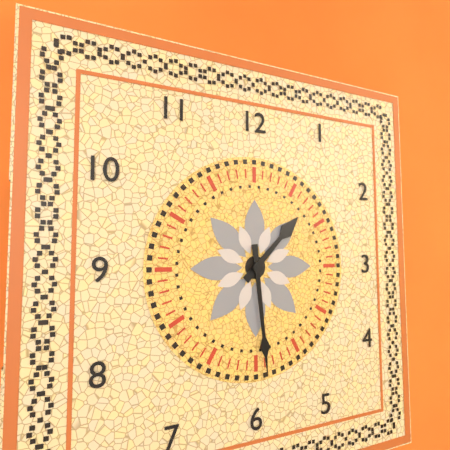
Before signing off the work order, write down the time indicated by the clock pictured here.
1:29
